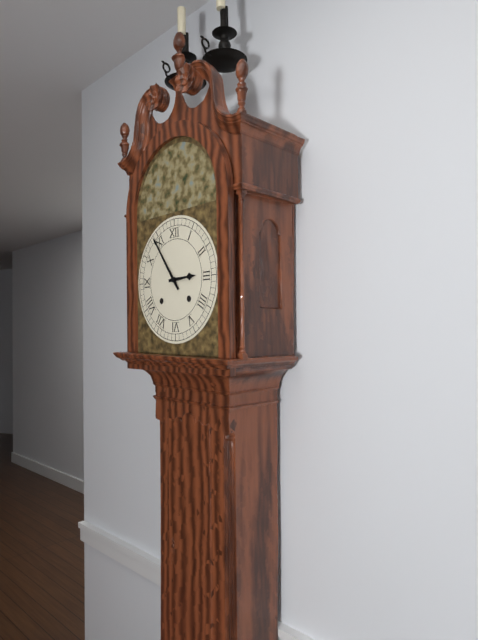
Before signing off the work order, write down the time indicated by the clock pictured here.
2:54
